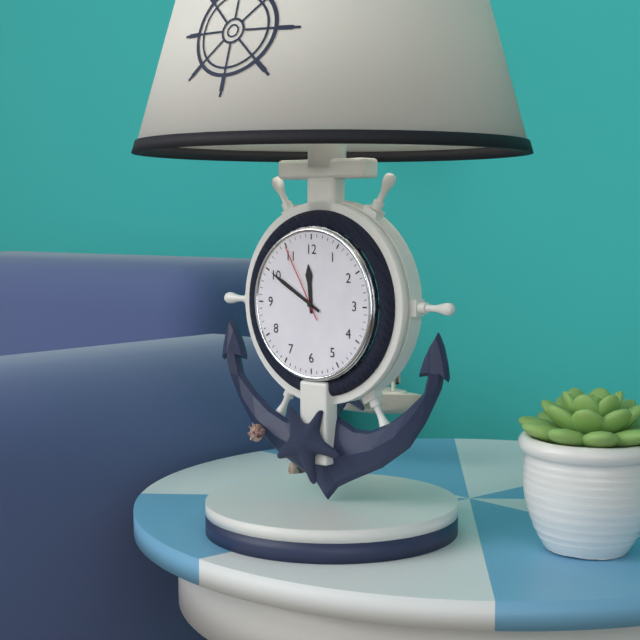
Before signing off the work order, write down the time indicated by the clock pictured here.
11:50:55
